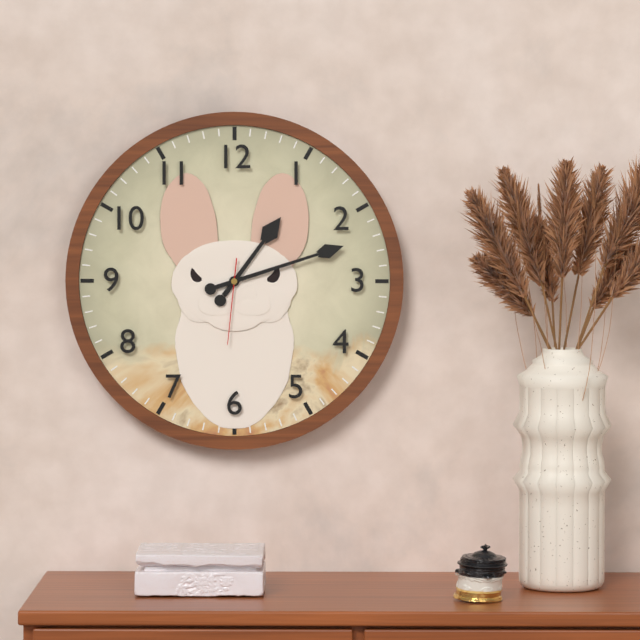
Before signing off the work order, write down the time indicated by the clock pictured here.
1:12:31
